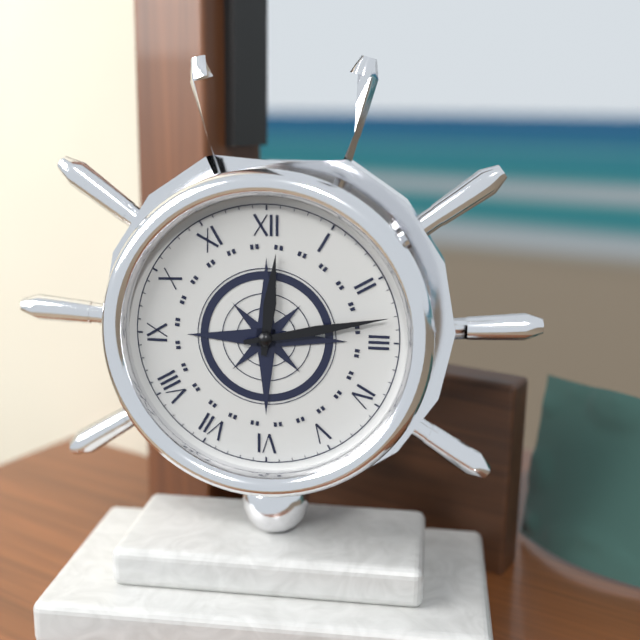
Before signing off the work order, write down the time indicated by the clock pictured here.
12:13
